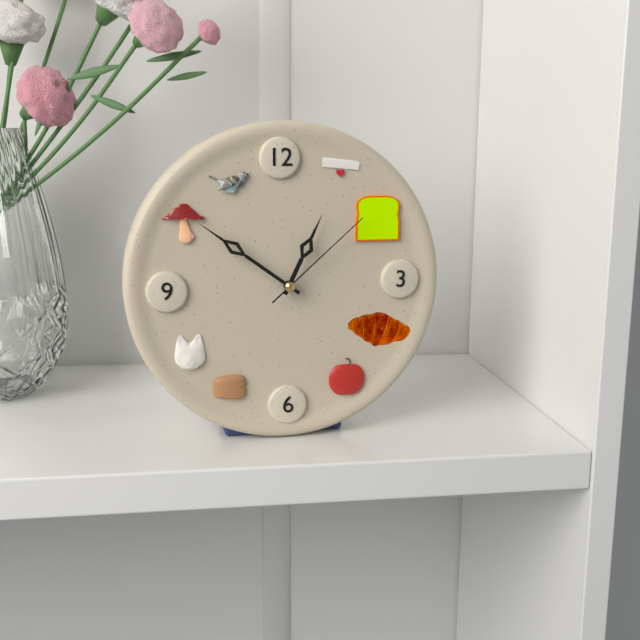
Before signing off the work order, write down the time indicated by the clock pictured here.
12:51:08
